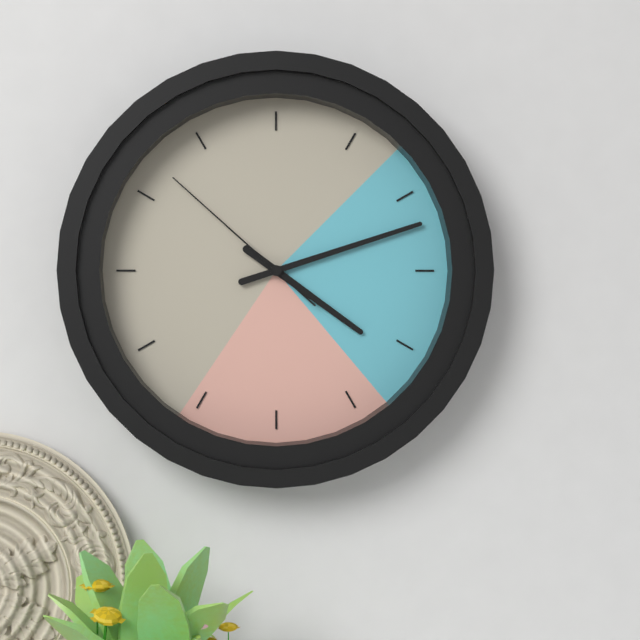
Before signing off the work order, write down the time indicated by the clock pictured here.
4:12:52
